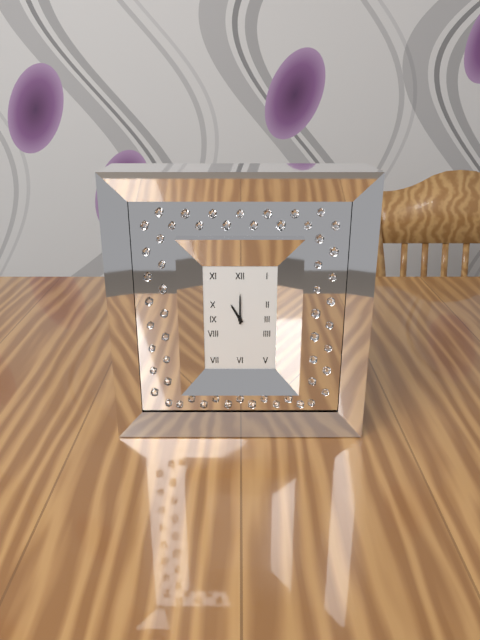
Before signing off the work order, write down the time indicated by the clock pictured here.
11:00
